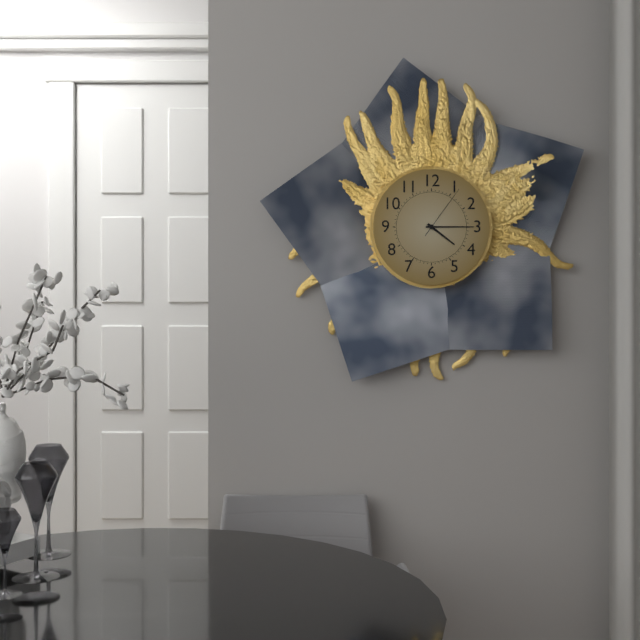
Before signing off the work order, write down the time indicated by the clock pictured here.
4:15:06
